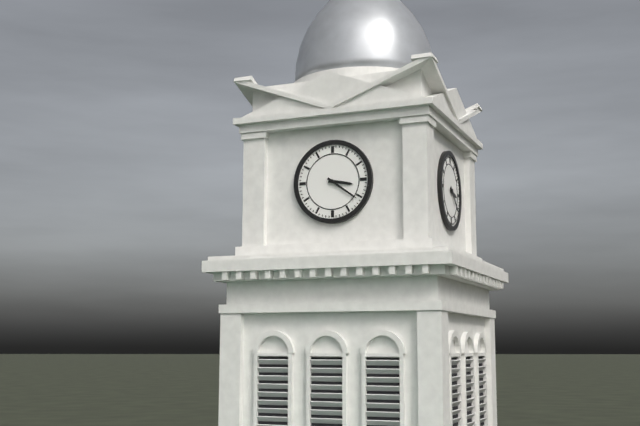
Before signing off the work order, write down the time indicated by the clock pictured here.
3:21
